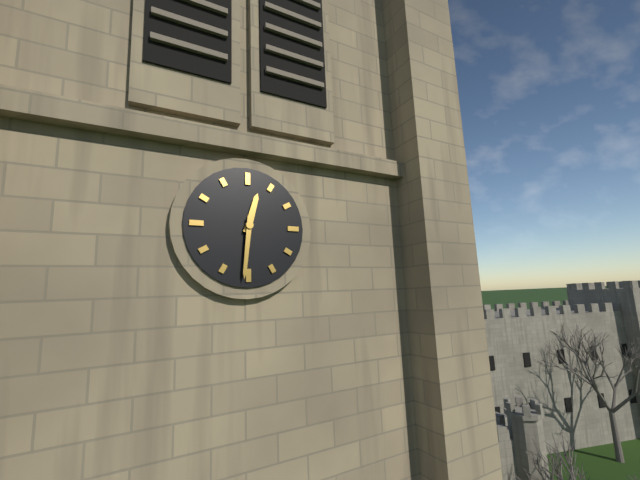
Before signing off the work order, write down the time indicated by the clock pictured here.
12:31
